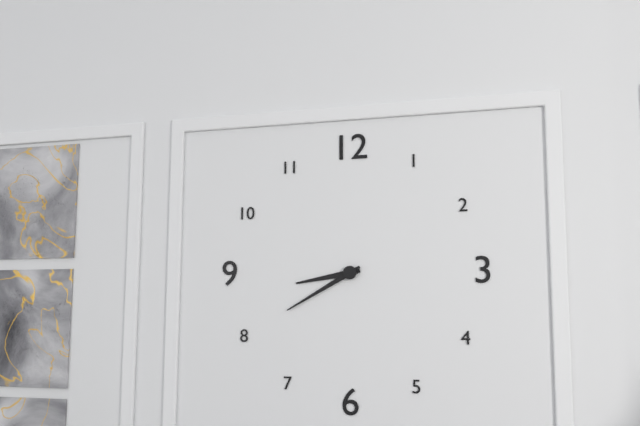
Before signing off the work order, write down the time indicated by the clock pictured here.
8:40
